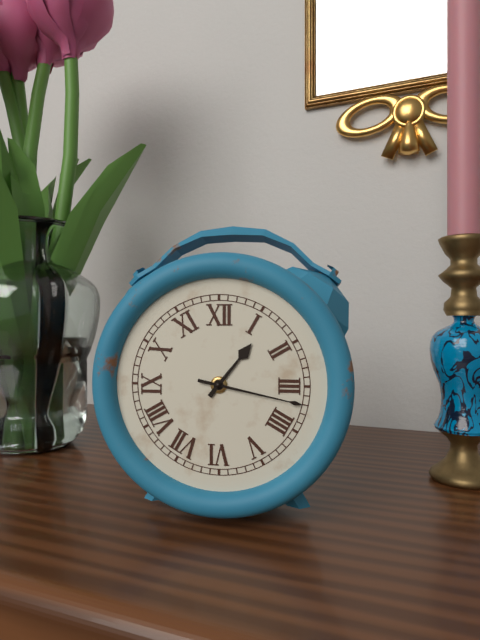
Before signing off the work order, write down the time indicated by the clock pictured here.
1:17
